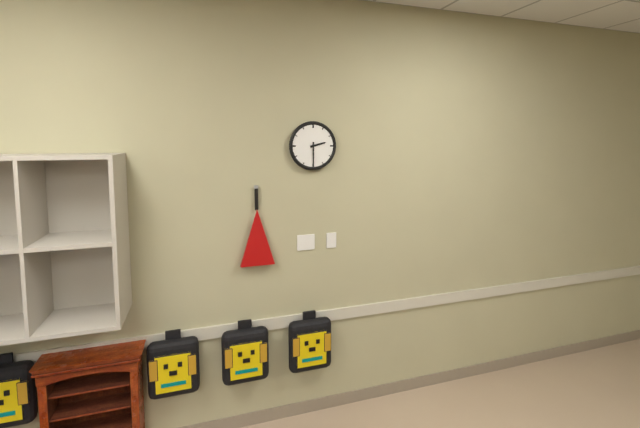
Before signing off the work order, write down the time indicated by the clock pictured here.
2:30
